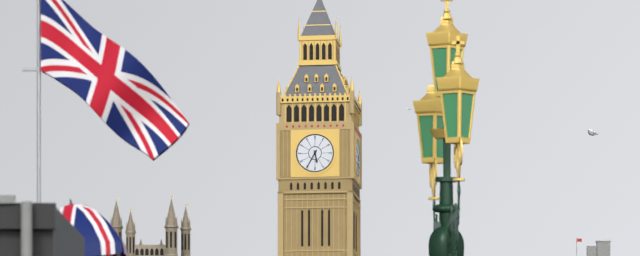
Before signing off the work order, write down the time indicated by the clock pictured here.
5:35
